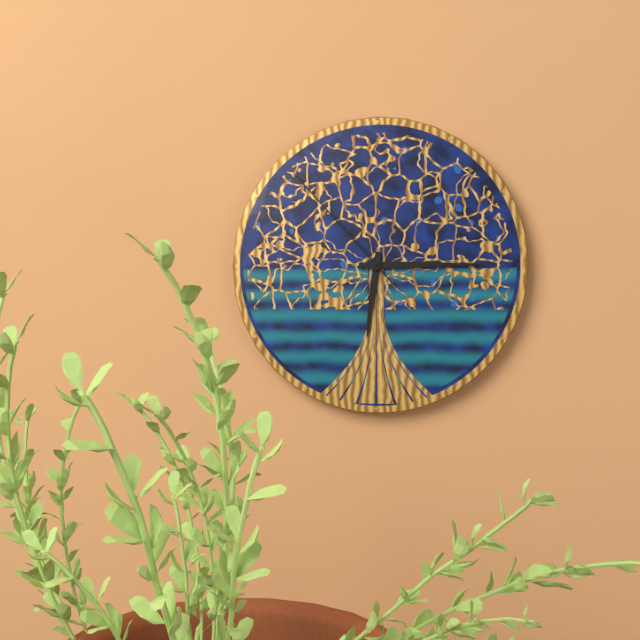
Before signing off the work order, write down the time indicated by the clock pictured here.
6:15:53
